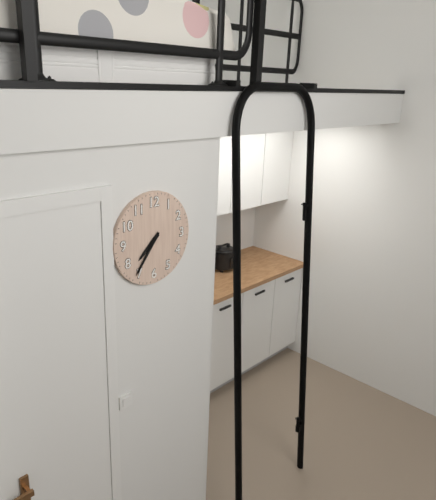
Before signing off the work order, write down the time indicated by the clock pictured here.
7:36
